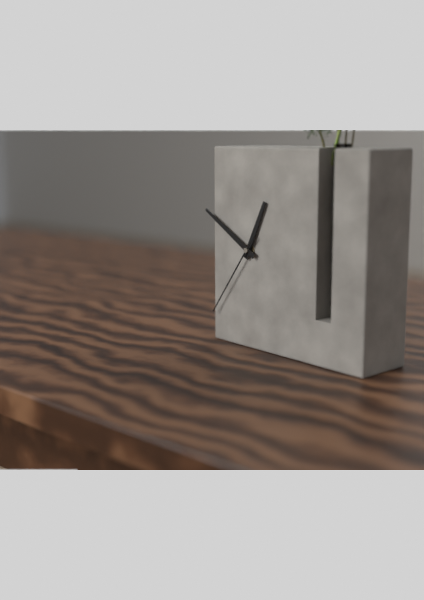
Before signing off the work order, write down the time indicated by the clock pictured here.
12:50:36
